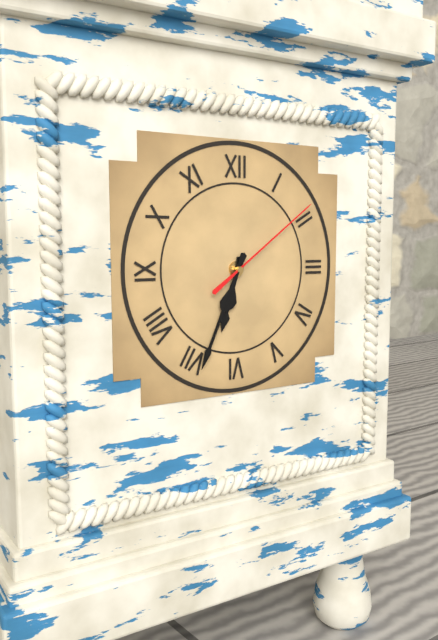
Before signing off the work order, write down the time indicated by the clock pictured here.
6:34:09
